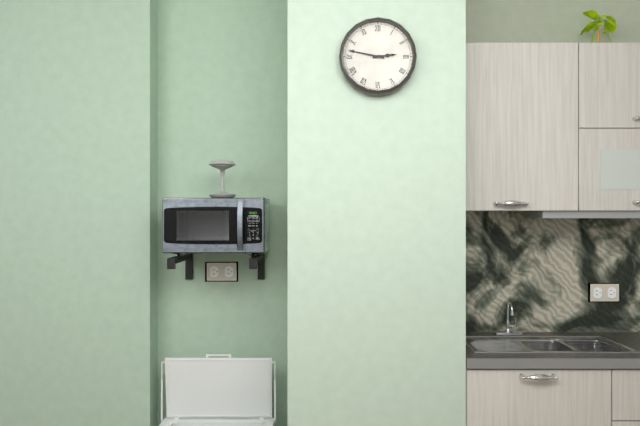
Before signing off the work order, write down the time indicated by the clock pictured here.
2:47
